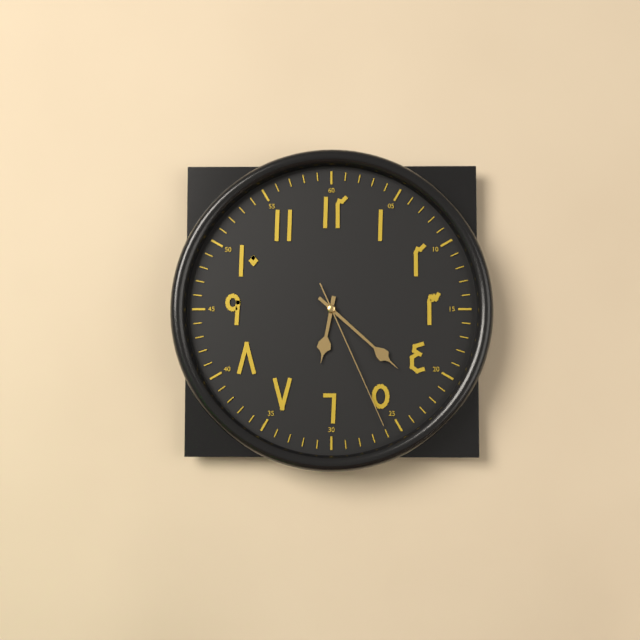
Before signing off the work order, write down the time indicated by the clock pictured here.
6:22:26
